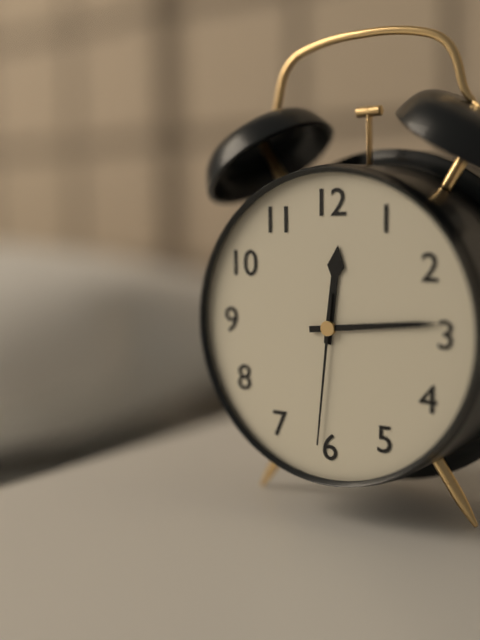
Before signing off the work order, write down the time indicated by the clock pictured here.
12:14:31
